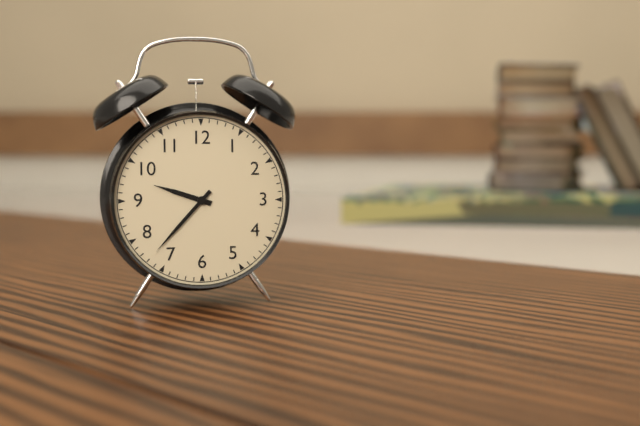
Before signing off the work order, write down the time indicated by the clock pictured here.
9:37
